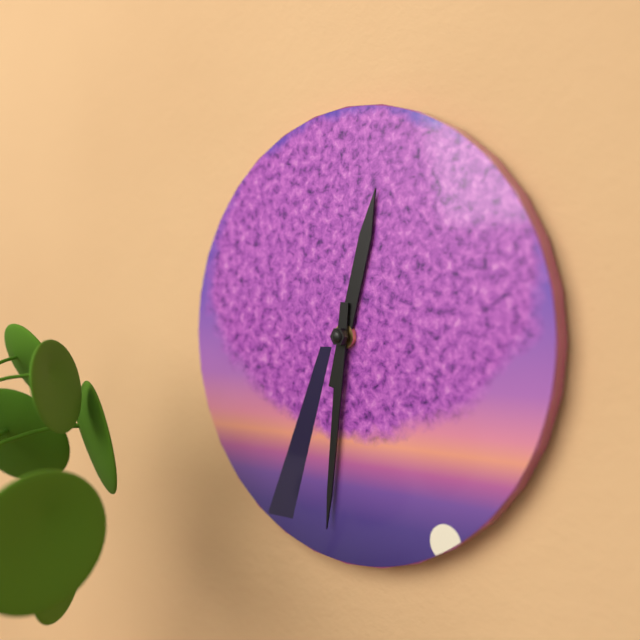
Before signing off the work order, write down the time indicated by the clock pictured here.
12:31
